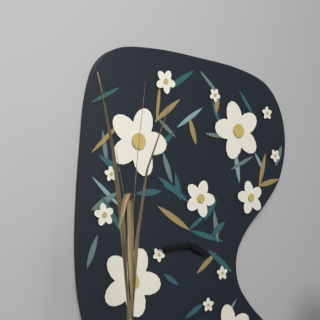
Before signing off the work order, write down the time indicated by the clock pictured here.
3:44
